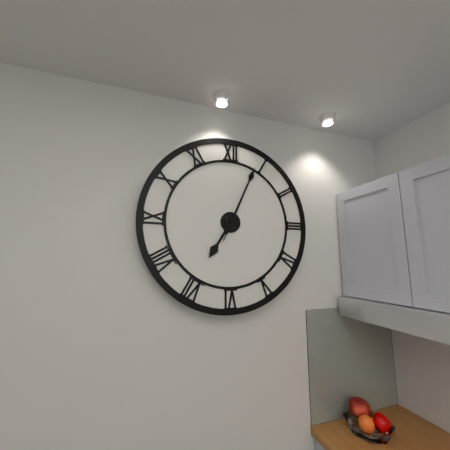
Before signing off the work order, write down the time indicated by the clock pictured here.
7:04:04
